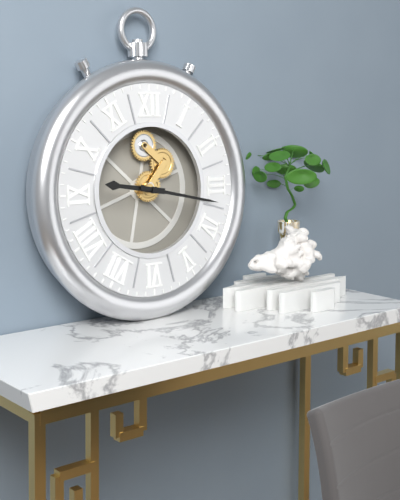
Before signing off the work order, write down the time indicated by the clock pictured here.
9:17
